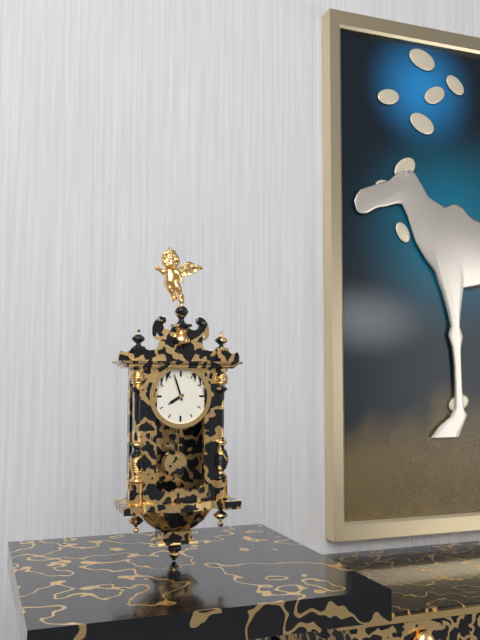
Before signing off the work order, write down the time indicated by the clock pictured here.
7:57
